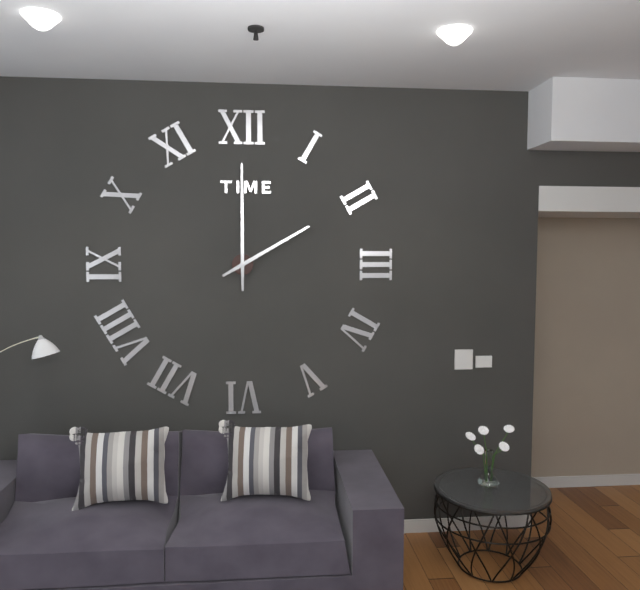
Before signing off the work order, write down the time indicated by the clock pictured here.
2:00
